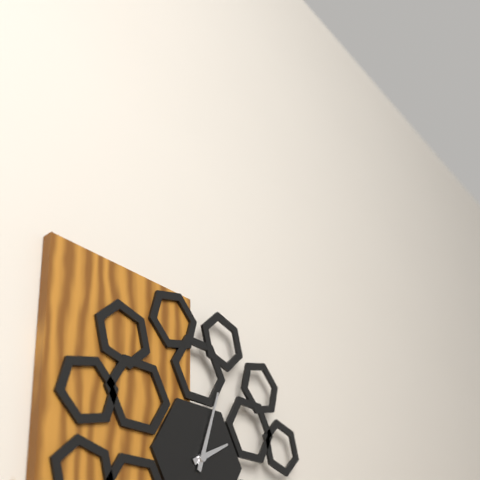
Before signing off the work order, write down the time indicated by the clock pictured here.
2:03
